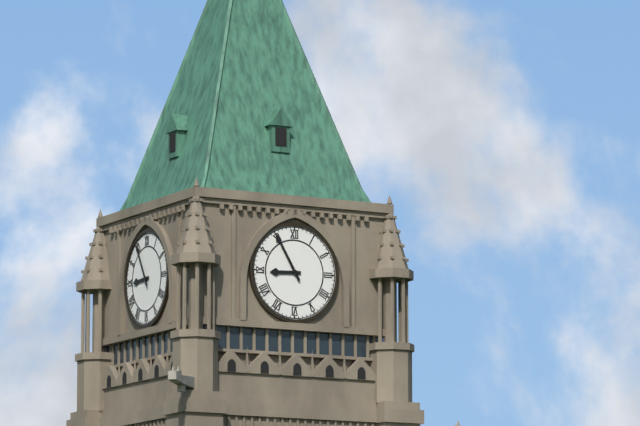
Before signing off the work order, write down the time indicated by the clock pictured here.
8:55
